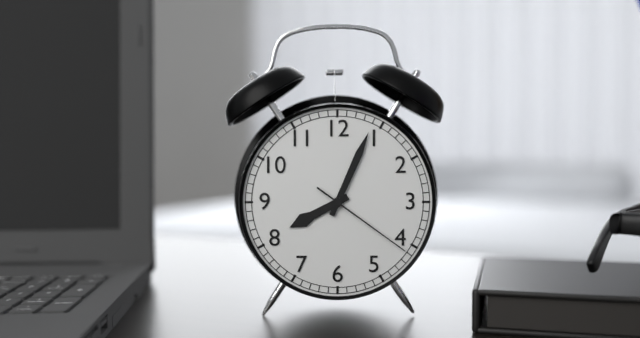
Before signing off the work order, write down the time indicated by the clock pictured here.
8:04:21
